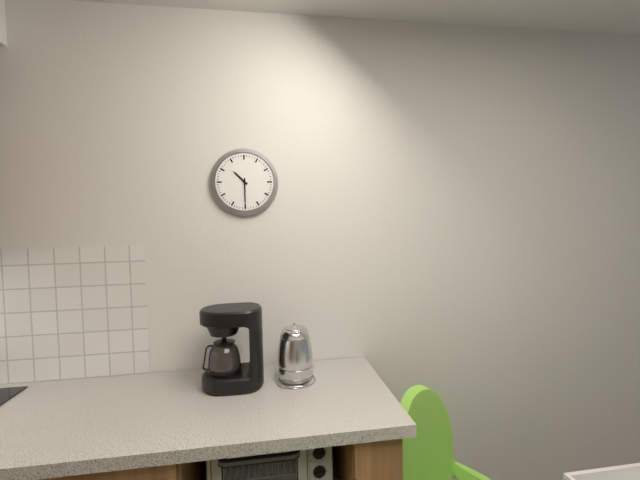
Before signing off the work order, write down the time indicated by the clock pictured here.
10:30
